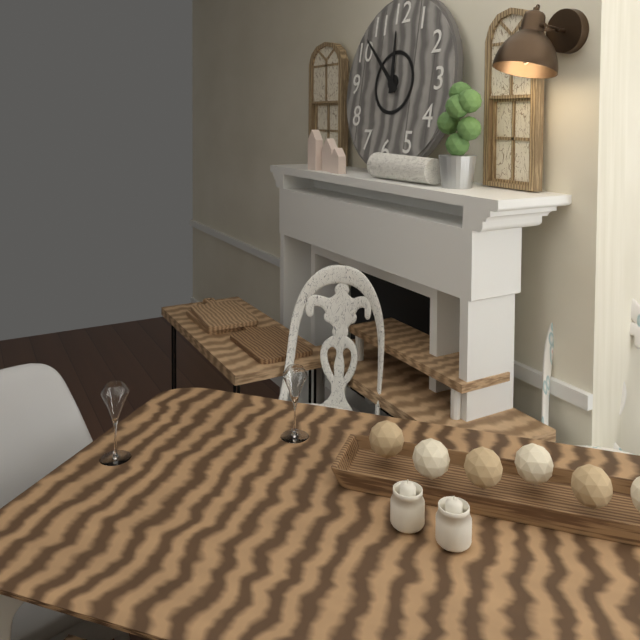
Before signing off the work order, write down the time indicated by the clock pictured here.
11:52
